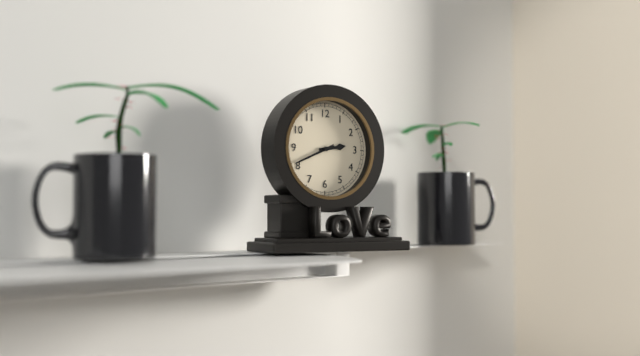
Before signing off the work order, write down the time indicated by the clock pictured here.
2:41
